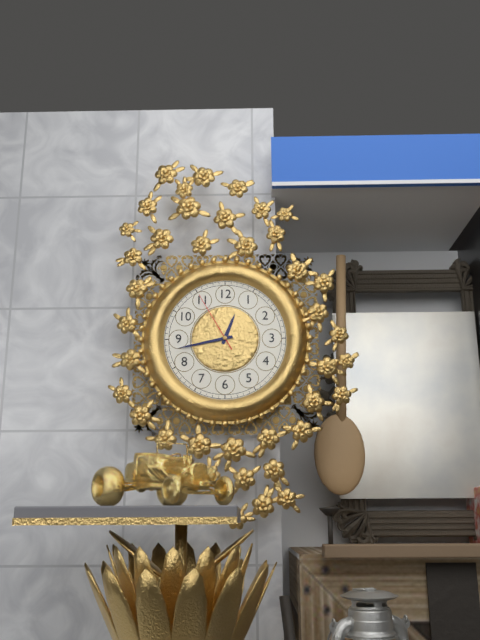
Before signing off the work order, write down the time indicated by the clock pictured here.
12:43:55
